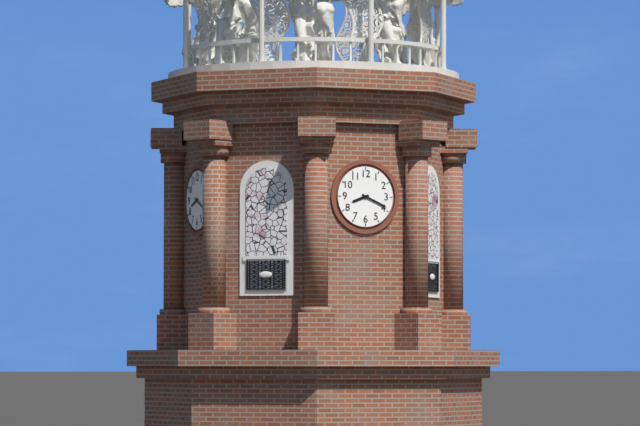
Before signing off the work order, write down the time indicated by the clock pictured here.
8:19
